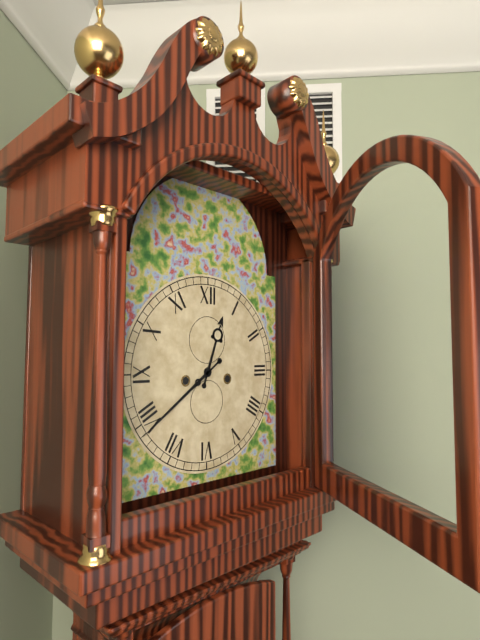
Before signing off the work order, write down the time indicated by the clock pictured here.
12:39
